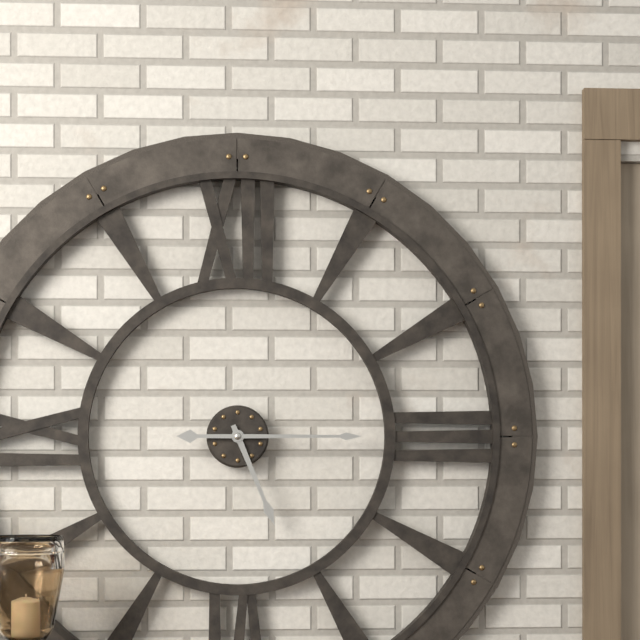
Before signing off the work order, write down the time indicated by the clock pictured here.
5:15
